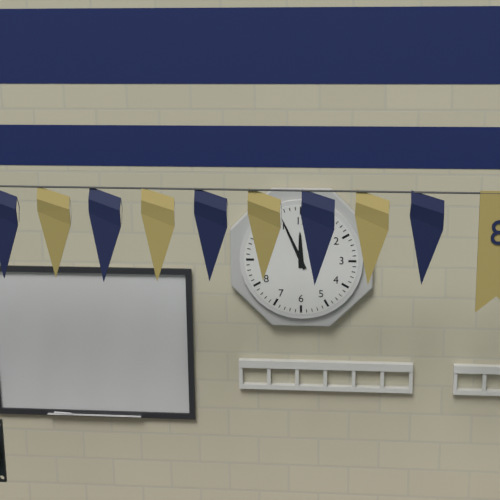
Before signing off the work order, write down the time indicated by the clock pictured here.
11:56
